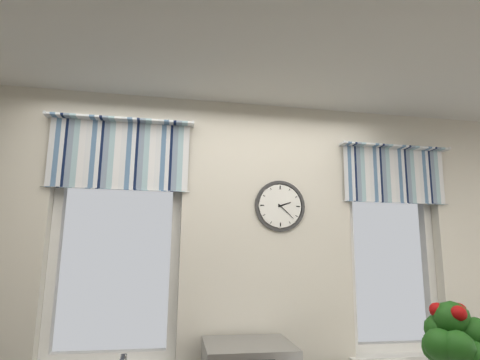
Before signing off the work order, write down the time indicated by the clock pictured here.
2:22
